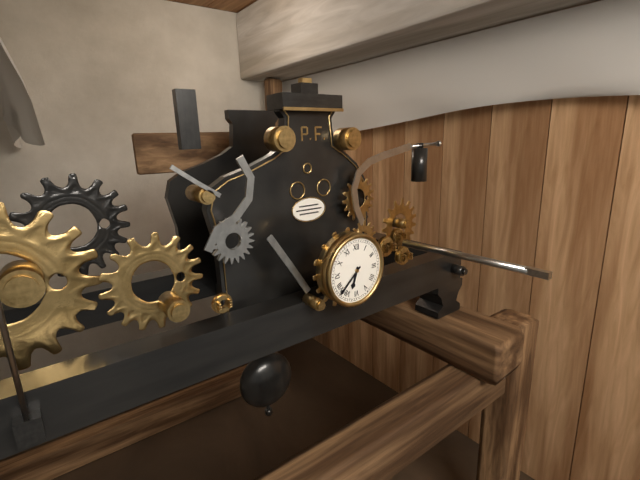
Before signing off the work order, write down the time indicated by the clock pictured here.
6:38
